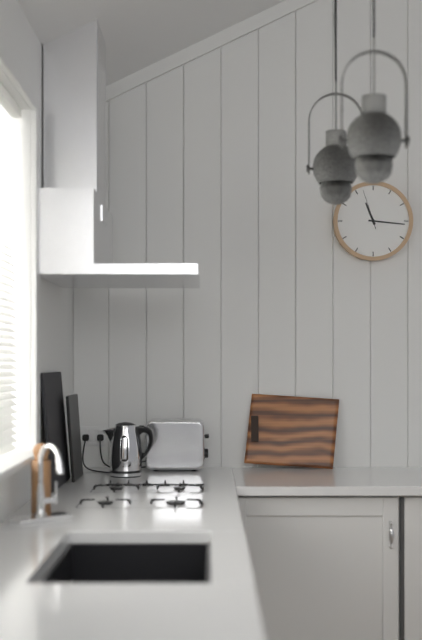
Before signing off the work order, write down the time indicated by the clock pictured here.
11:16
